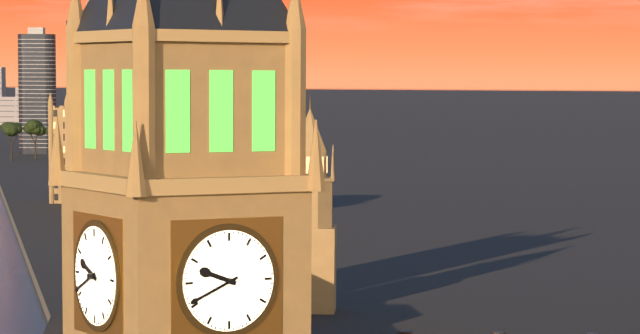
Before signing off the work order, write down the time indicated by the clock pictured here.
9:41
